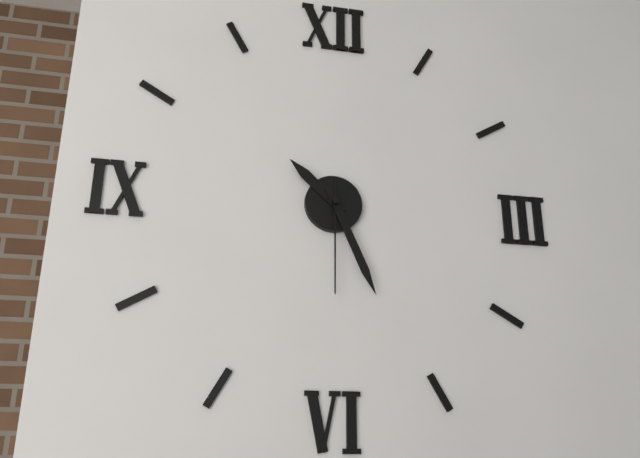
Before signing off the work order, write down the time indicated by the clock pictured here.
10:26:30
